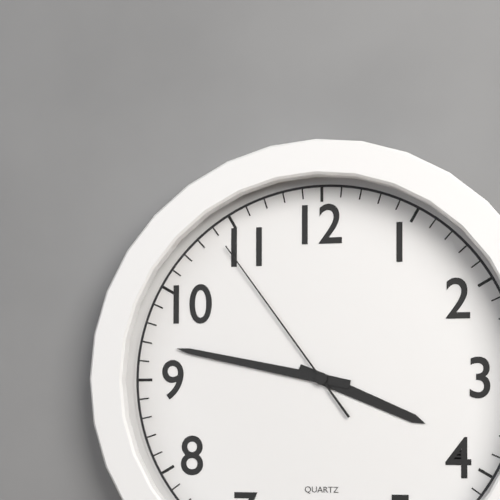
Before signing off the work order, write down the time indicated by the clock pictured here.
3:47:54
